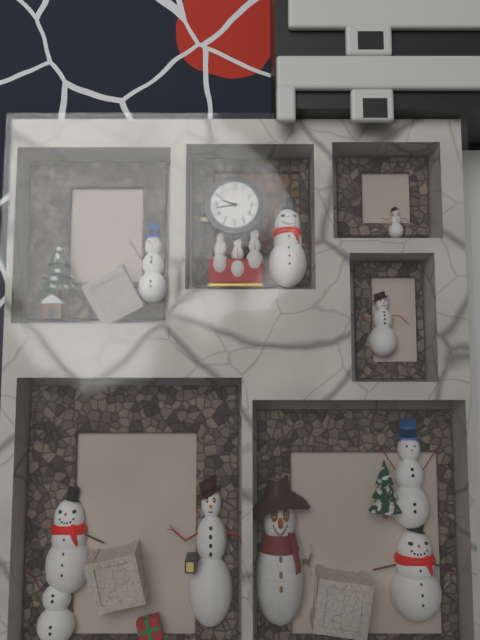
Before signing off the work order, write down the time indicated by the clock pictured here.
9:43
